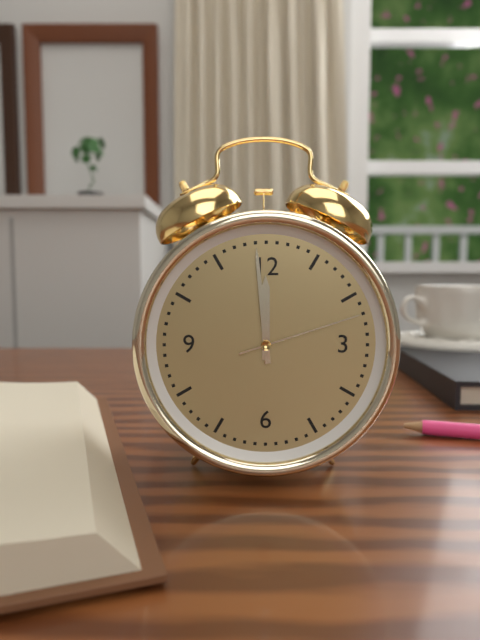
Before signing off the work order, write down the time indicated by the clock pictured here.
11:59:12
